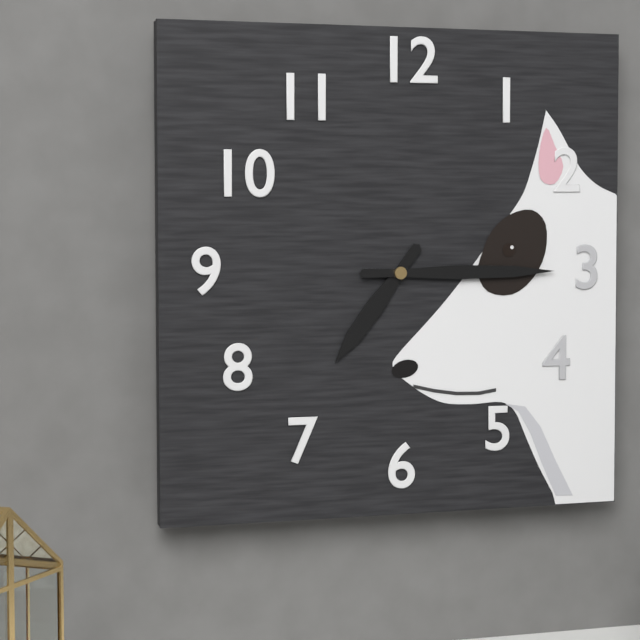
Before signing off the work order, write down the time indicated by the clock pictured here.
7:15
